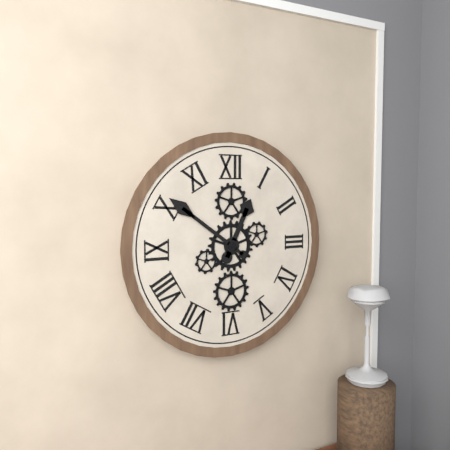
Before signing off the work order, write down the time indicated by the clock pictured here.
12:51
